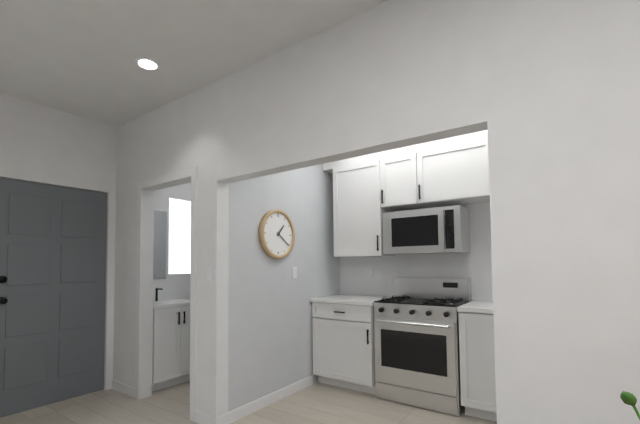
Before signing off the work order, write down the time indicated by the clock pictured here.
1:21
